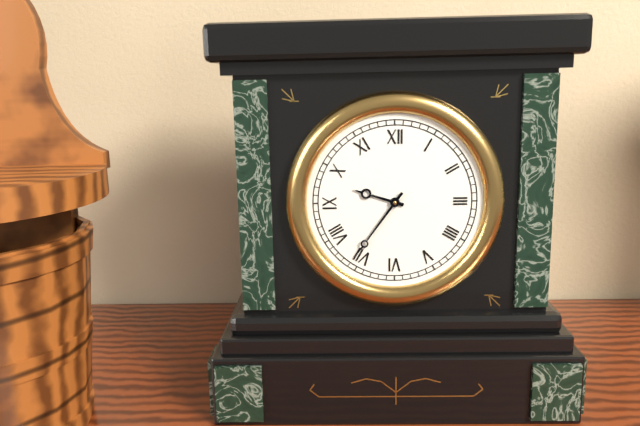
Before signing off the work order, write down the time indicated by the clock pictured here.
9:36
